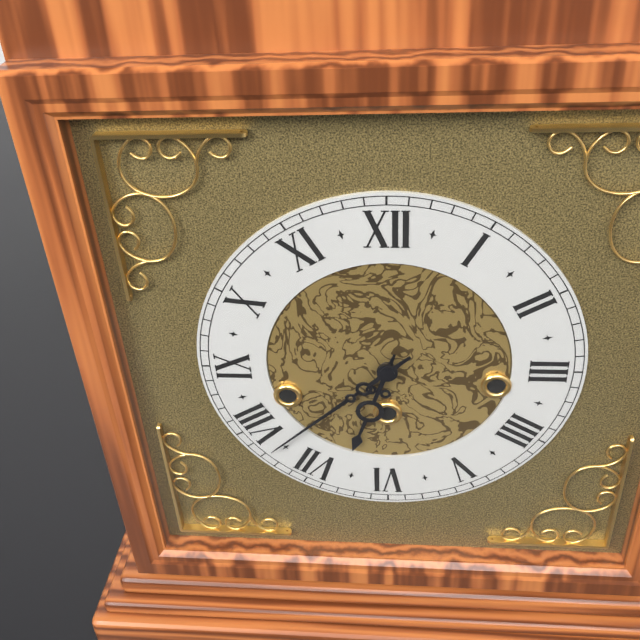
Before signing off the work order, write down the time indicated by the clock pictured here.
6:38
